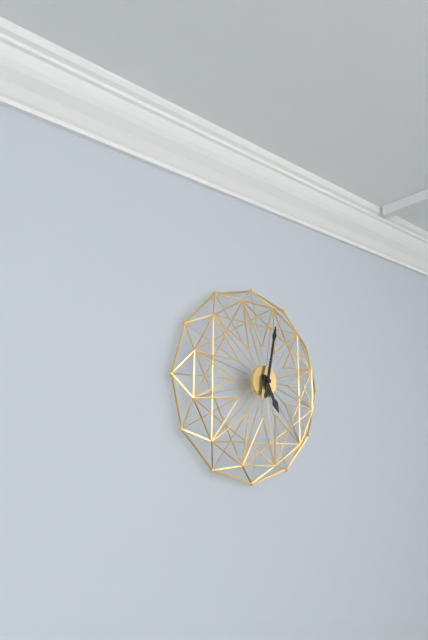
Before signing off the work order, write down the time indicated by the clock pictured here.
5:02
